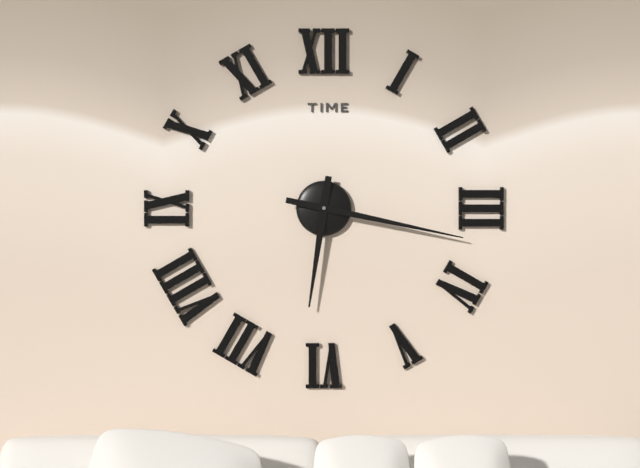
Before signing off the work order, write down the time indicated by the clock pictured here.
6:17
